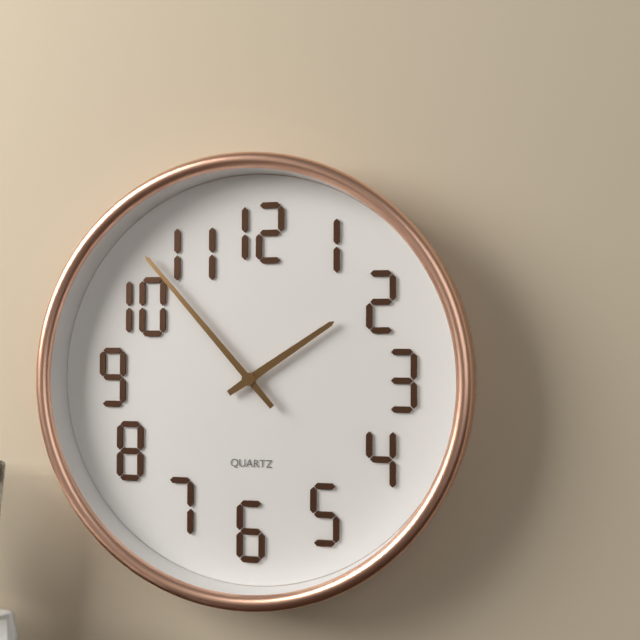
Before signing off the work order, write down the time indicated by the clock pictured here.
1:53
